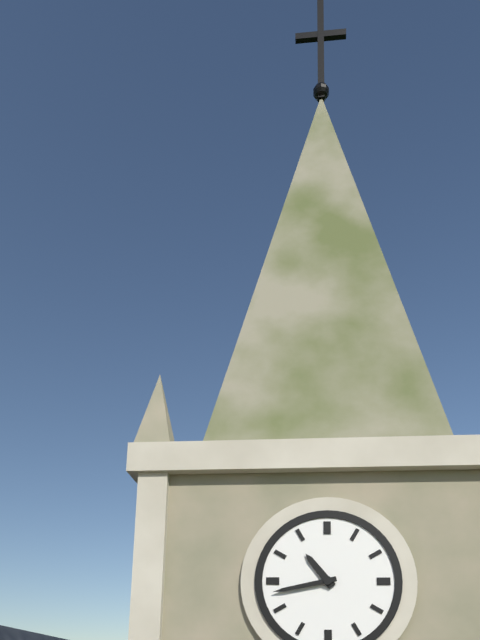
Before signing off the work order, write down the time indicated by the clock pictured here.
10:43
